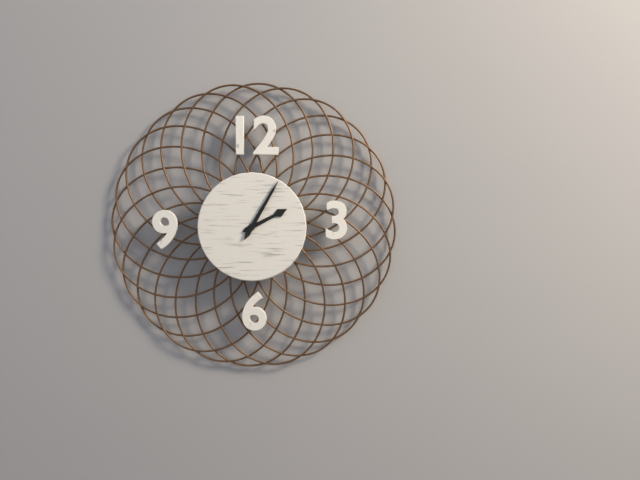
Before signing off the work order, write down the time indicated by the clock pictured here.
2:05
